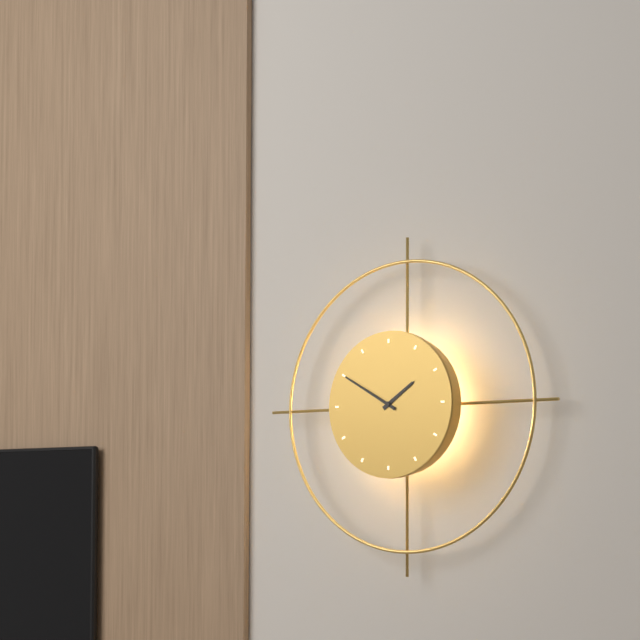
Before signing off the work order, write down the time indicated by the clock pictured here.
1:50
